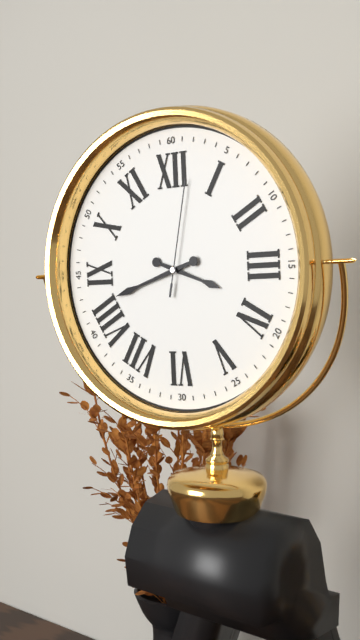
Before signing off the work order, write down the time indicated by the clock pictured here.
3:42:02
